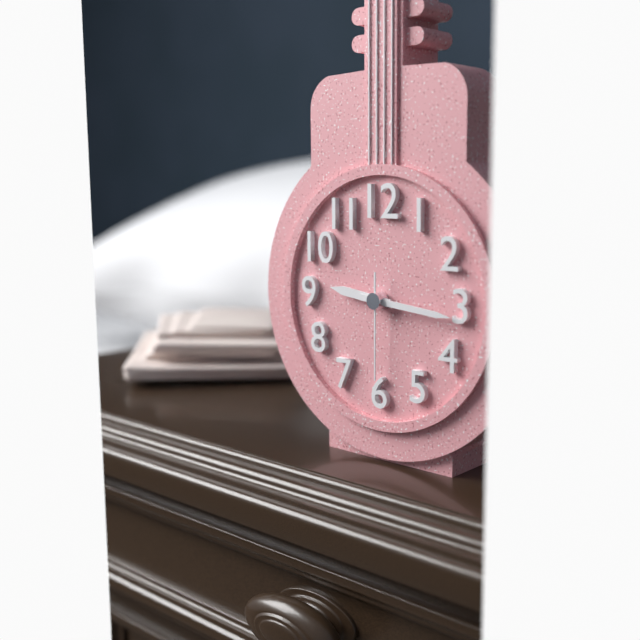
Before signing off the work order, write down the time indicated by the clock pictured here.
9:16:30
